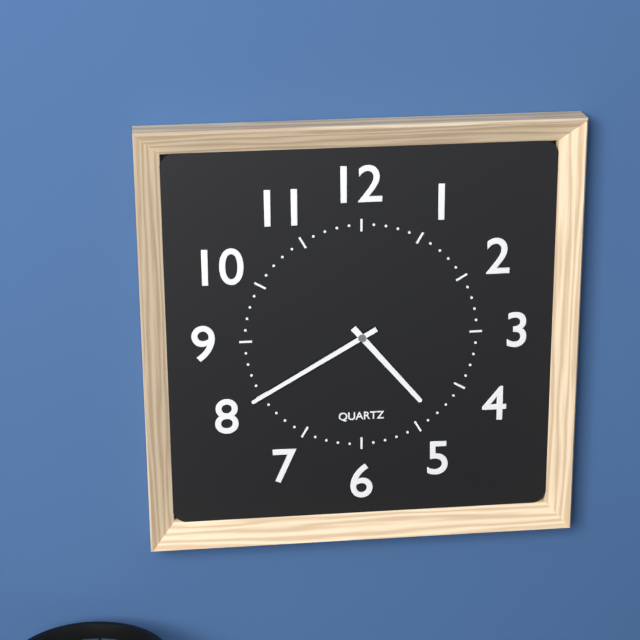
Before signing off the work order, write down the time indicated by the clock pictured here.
4:40
